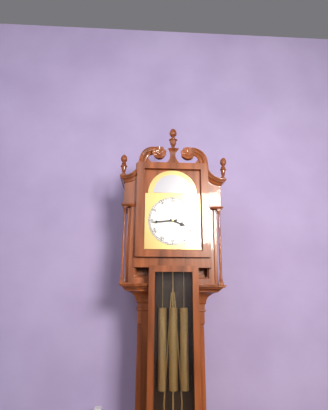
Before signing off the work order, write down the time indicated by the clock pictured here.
3:44
